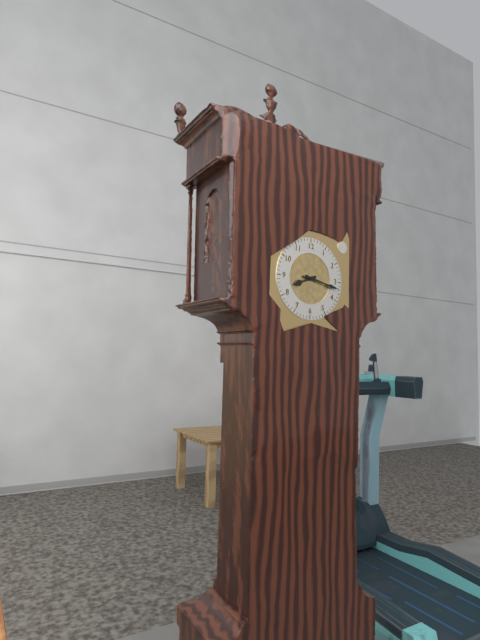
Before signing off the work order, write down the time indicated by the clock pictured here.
8:17
